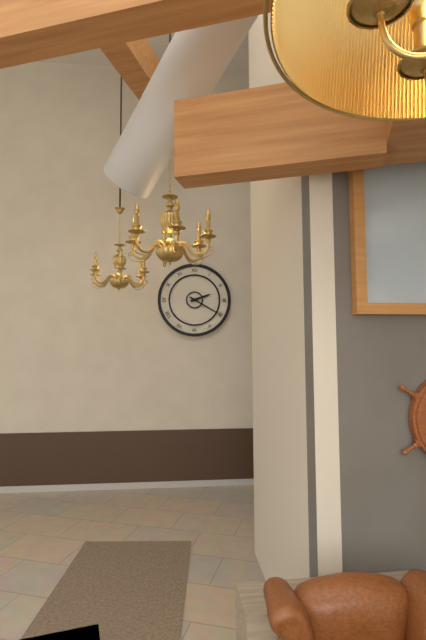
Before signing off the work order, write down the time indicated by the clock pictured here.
2:20
